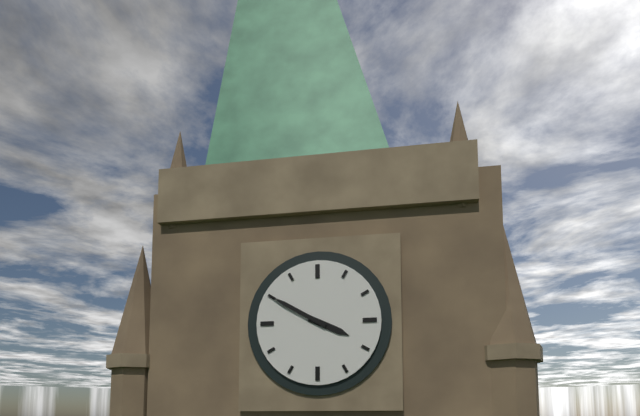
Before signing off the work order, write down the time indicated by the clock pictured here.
3:50
